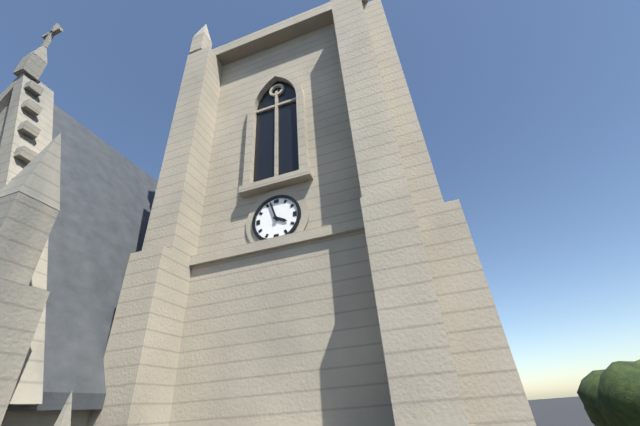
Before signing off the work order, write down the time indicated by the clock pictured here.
3:57
